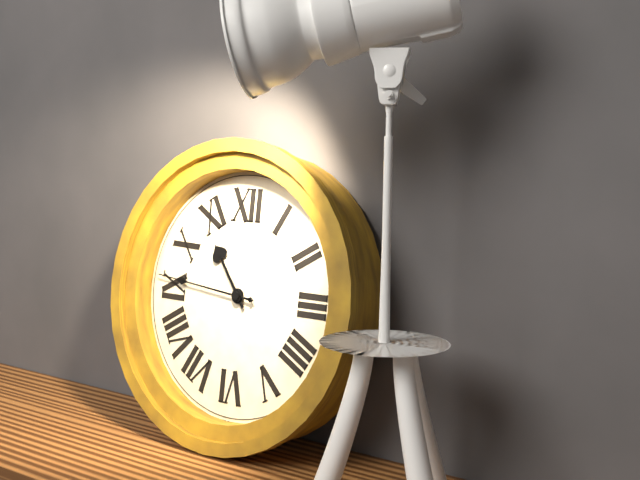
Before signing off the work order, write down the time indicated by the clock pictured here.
10:46
